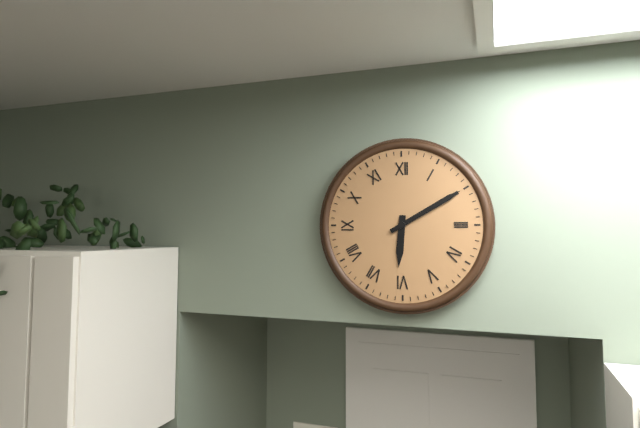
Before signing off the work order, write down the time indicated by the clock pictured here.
6:10
